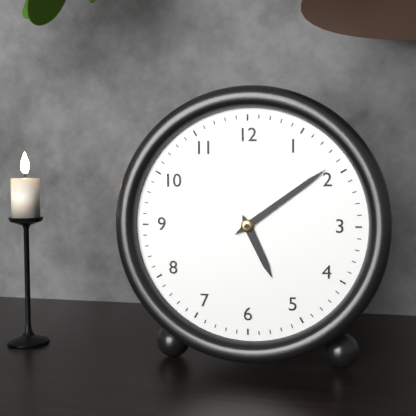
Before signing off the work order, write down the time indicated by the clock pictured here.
5:09
